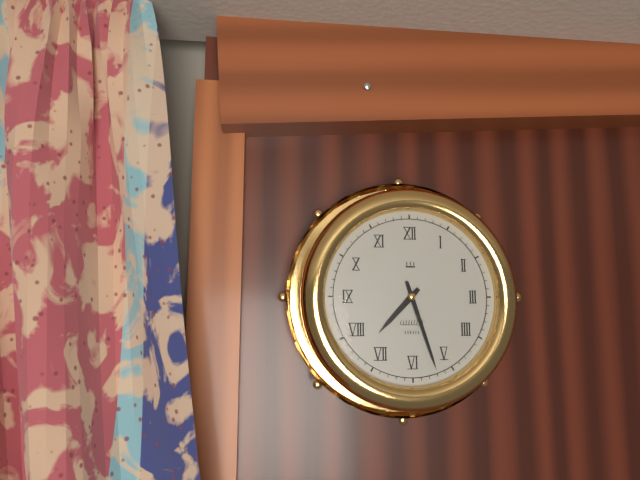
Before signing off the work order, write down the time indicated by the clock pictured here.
7:27
